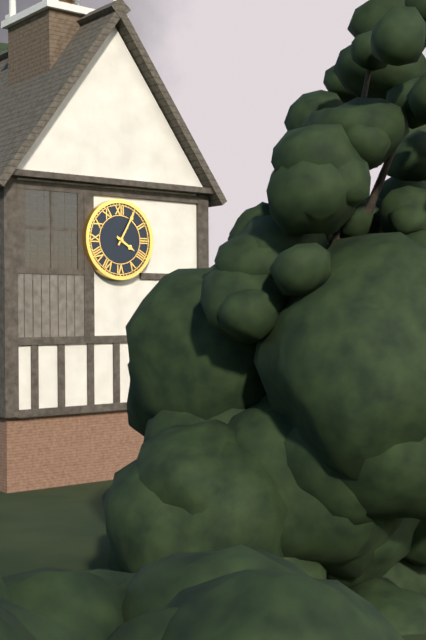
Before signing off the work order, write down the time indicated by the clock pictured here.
4:05
